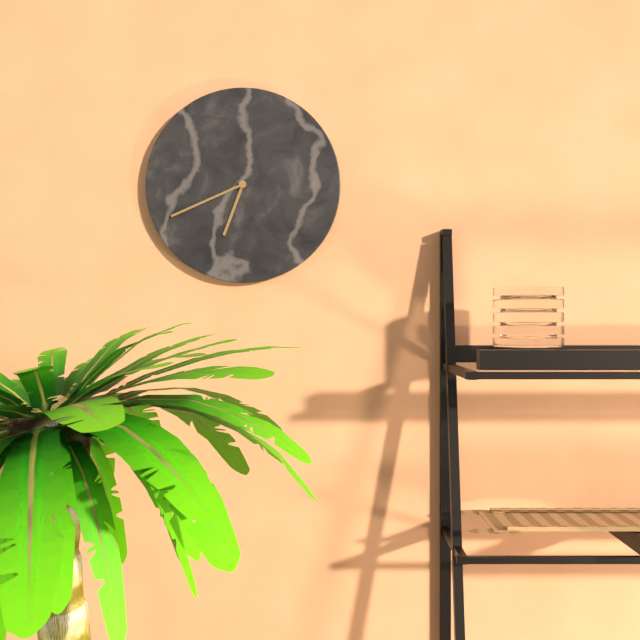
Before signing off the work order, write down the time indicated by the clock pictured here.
6:41
